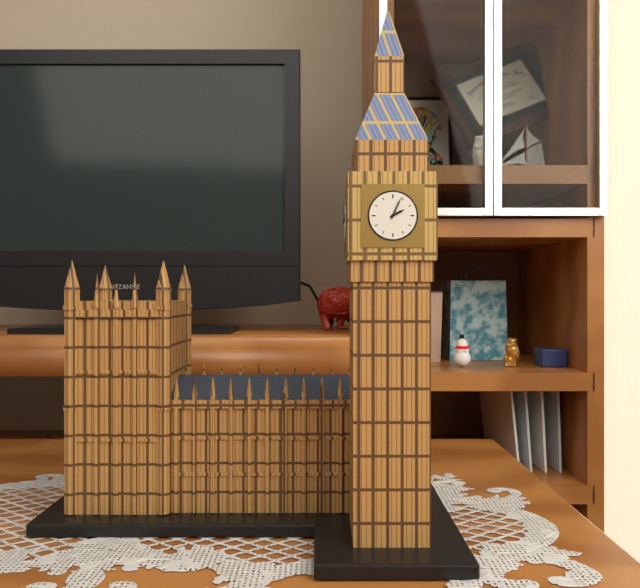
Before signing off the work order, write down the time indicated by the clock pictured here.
2:04
